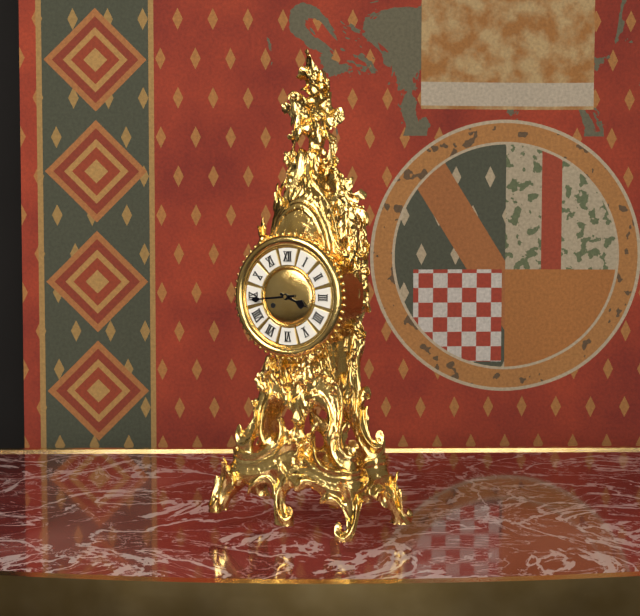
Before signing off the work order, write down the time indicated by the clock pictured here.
3:44
